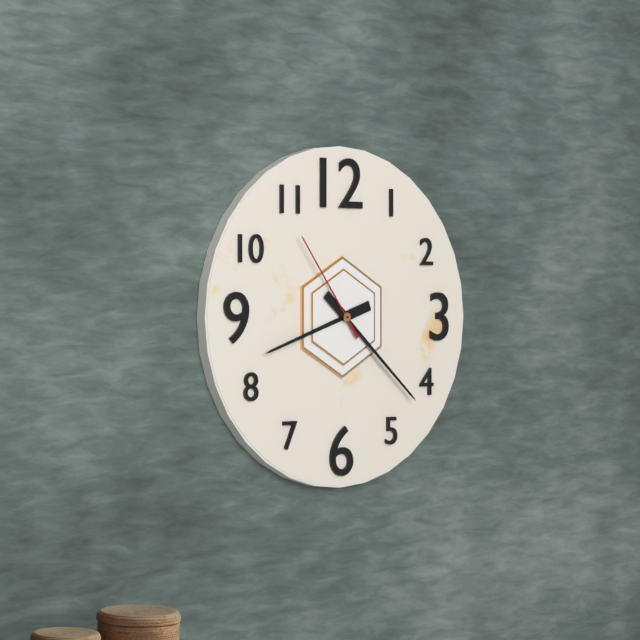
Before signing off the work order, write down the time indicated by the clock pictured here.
8:22:54
